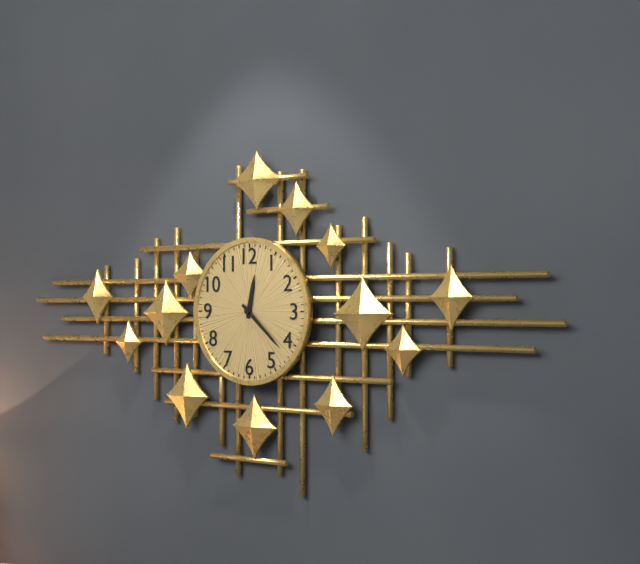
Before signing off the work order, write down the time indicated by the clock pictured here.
12:22
